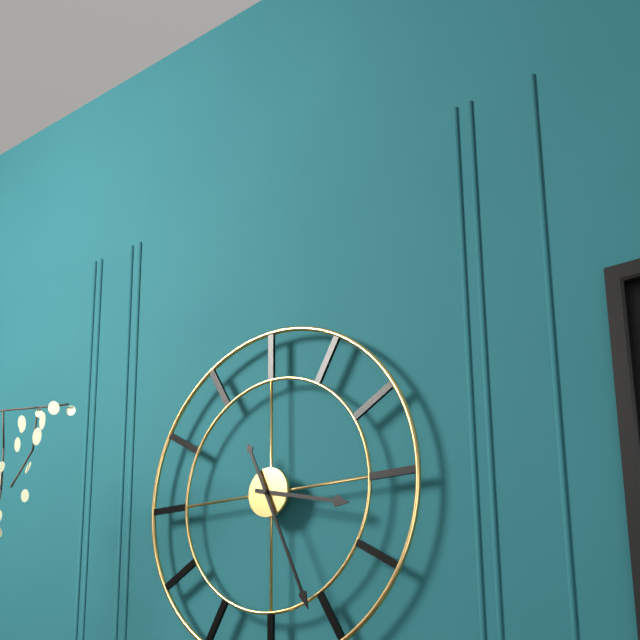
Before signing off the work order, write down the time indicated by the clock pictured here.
3:26
